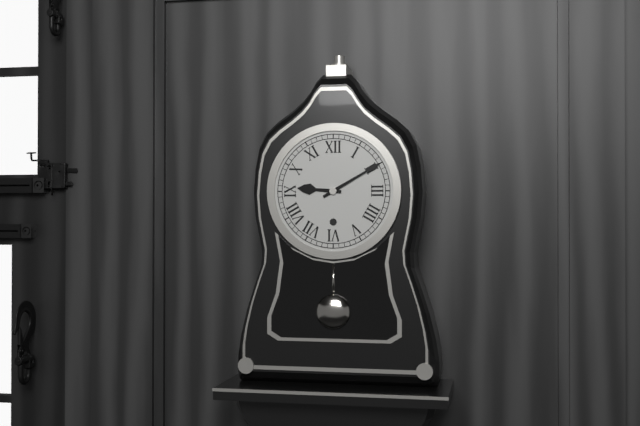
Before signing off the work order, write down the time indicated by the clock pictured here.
9:10
